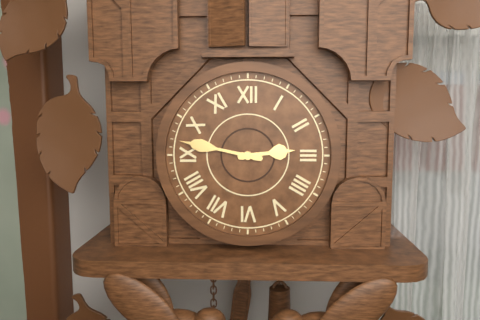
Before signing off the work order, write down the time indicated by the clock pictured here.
2:47
